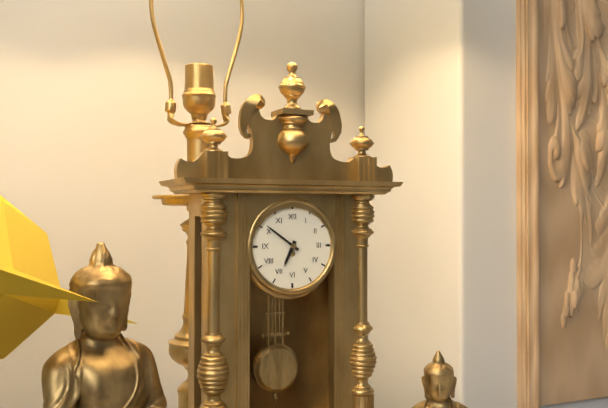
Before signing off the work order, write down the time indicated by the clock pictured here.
6:51
